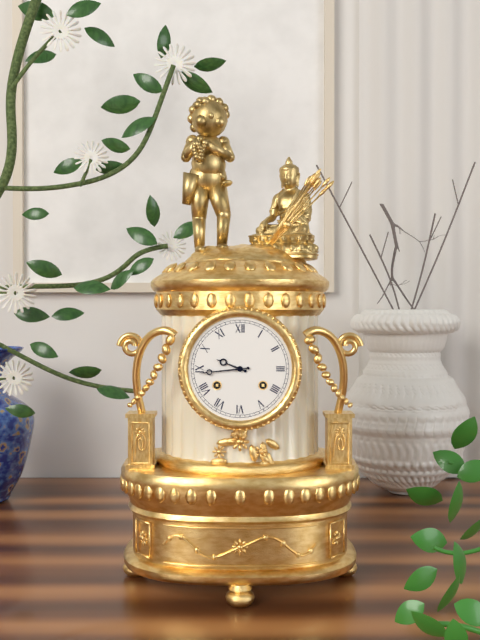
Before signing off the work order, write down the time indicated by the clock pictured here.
9:44
